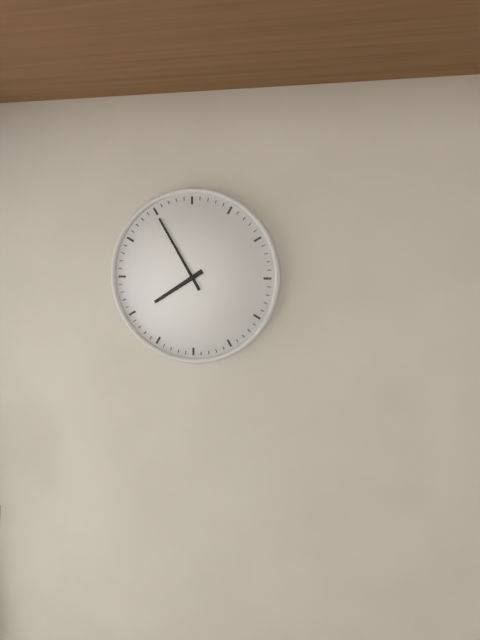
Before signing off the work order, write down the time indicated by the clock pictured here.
7:55
